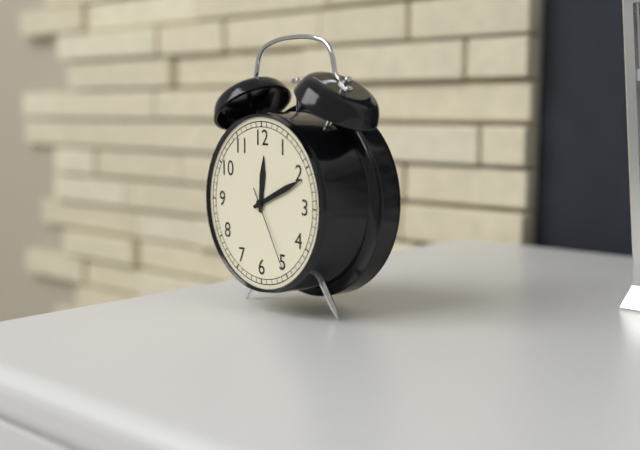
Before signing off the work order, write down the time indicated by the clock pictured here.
12:11:25
